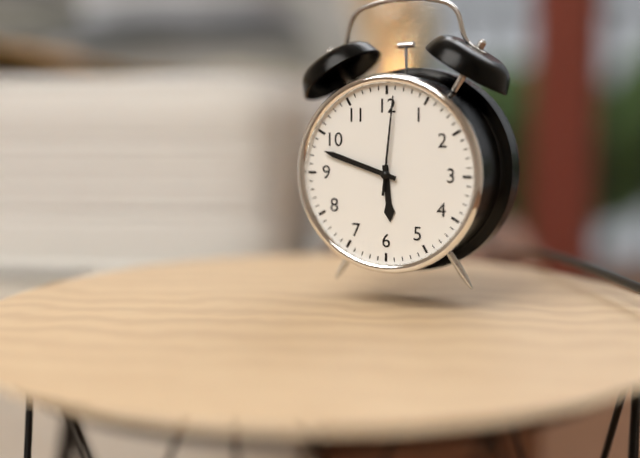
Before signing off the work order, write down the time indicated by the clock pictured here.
5:48:01
